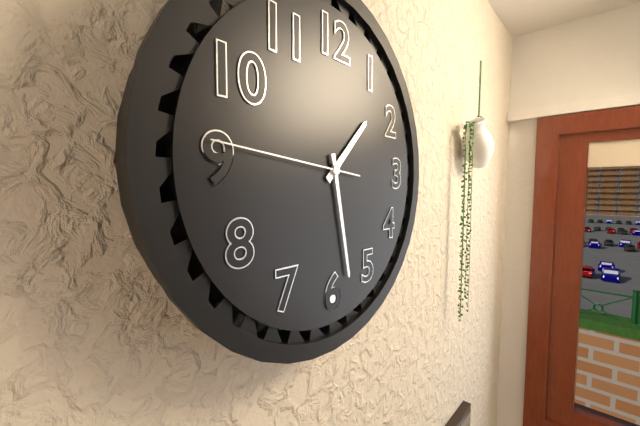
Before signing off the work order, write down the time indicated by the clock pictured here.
1:28:46
